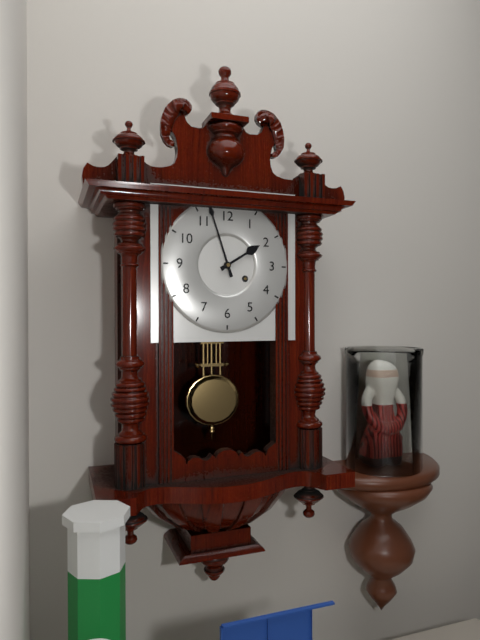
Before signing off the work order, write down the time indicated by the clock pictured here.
1:57
